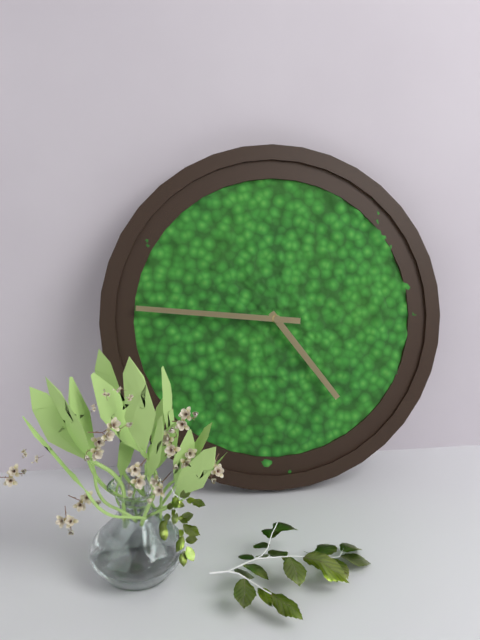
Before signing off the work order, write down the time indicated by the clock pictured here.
4:46
